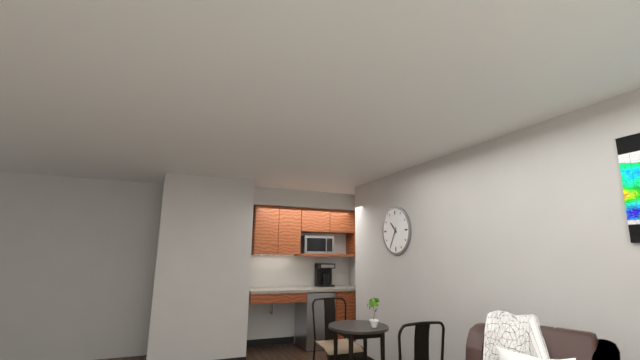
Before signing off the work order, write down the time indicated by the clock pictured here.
10:35
